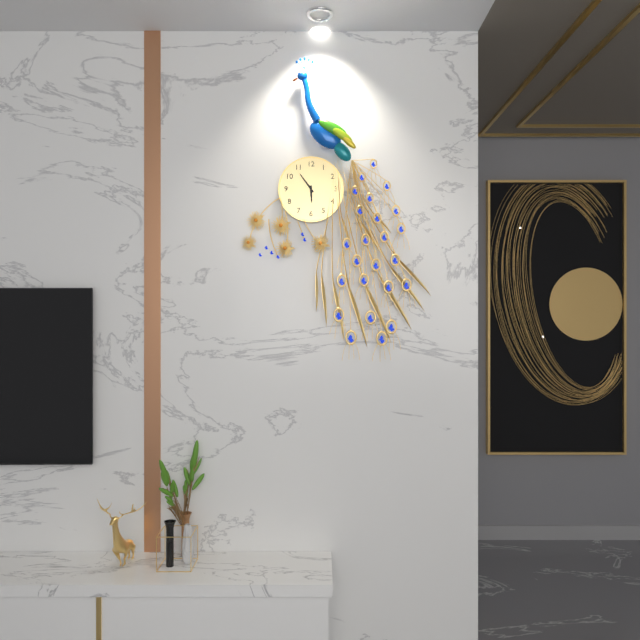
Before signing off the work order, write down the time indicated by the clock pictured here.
5:54
